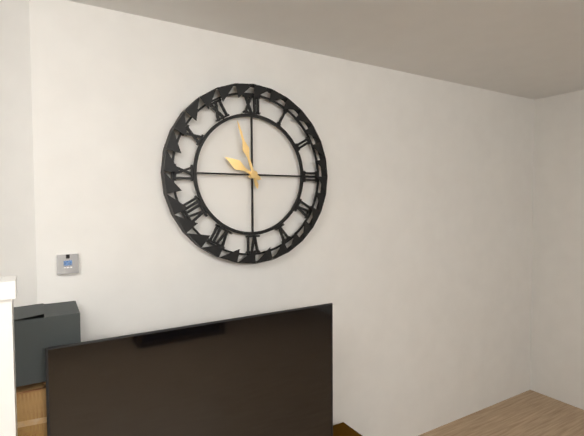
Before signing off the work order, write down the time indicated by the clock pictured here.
9:57
